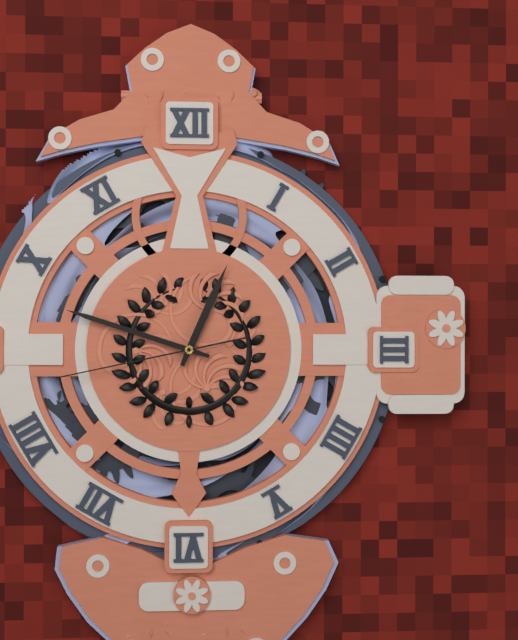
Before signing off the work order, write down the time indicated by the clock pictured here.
12:48:43
